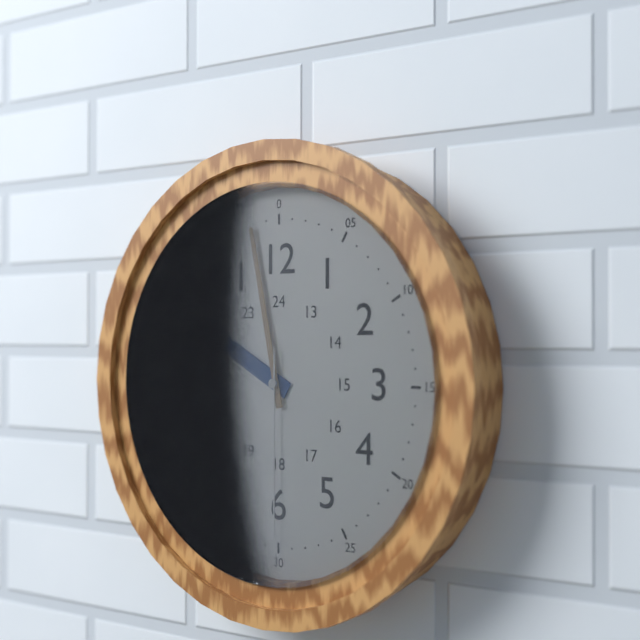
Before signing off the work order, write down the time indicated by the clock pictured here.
9:58:30
